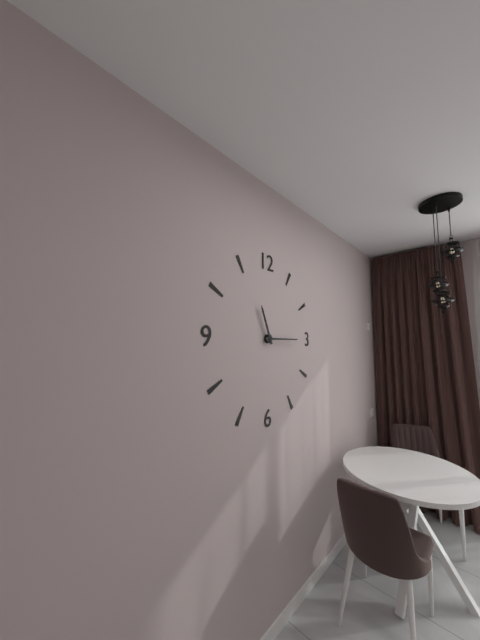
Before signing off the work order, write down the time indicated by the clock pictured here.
11:15
